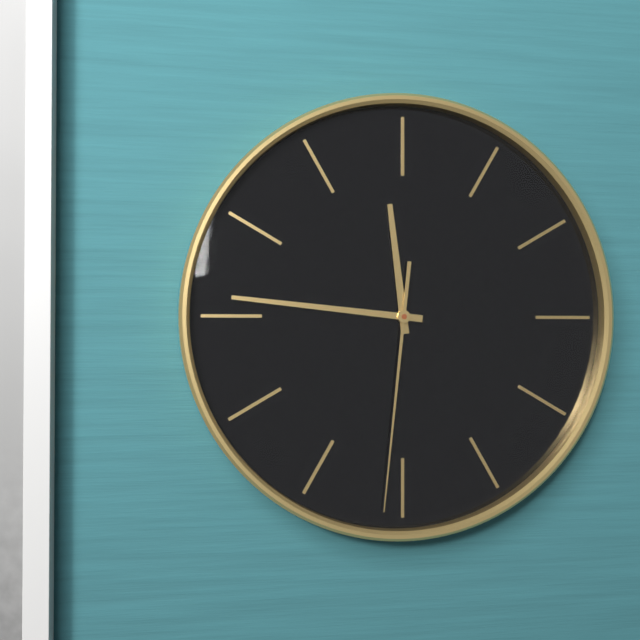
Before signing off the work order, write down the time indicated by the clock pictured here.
11:46:31
